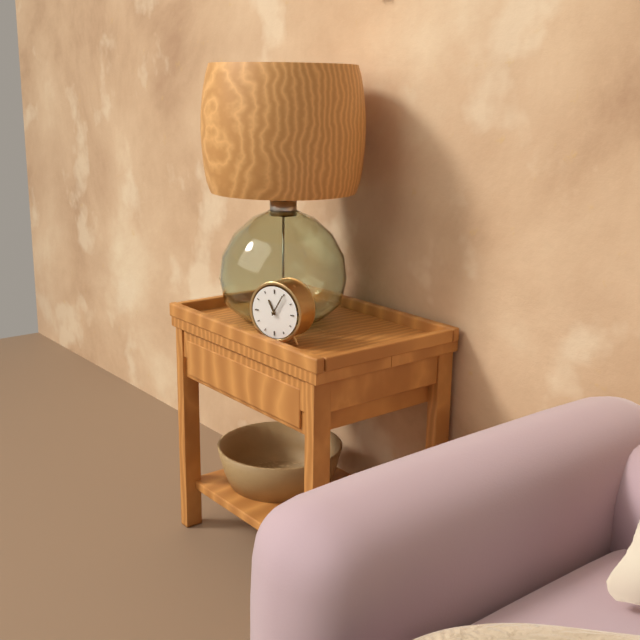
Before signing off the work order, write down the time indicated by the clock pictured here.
11:05
